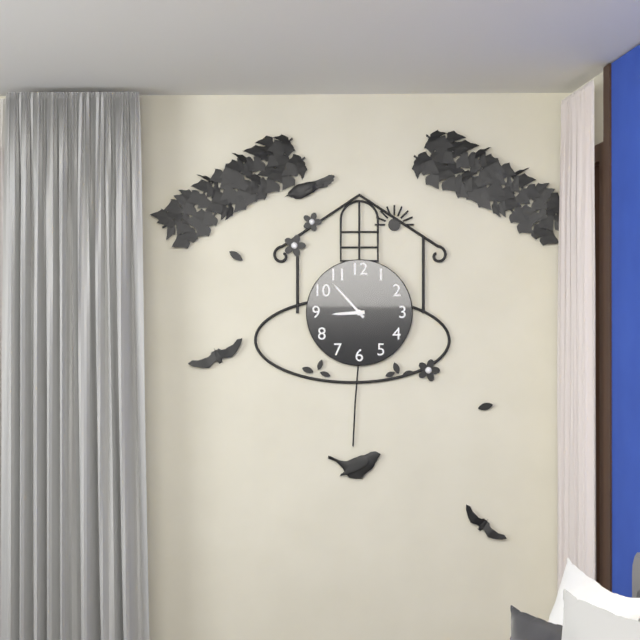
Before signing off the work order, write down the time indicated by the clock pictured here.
8:53
